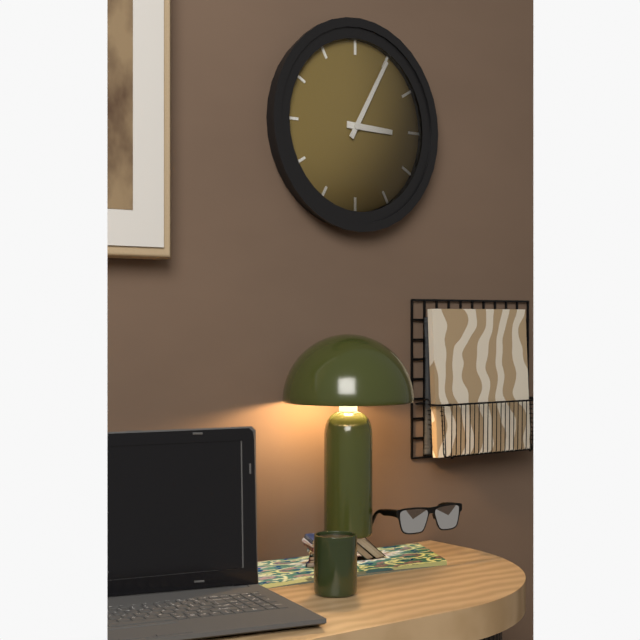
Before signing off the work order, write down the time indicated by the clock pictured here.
3:05
